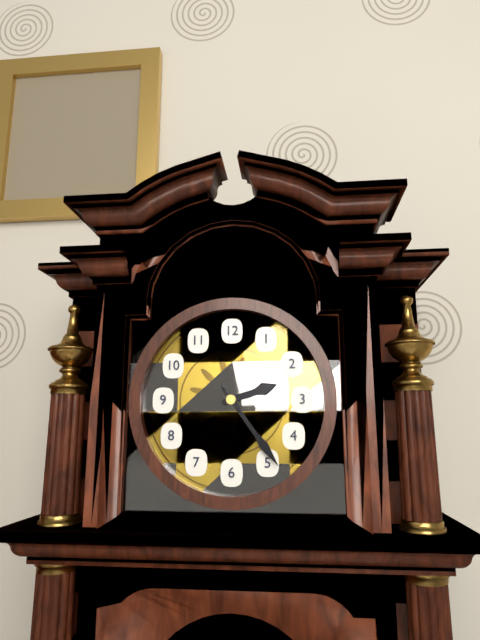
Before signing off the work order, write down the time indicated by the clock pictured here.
2:24
